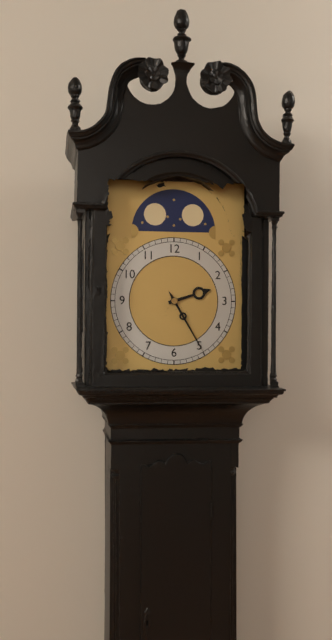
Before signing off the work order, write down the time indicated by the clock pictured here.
2:25
